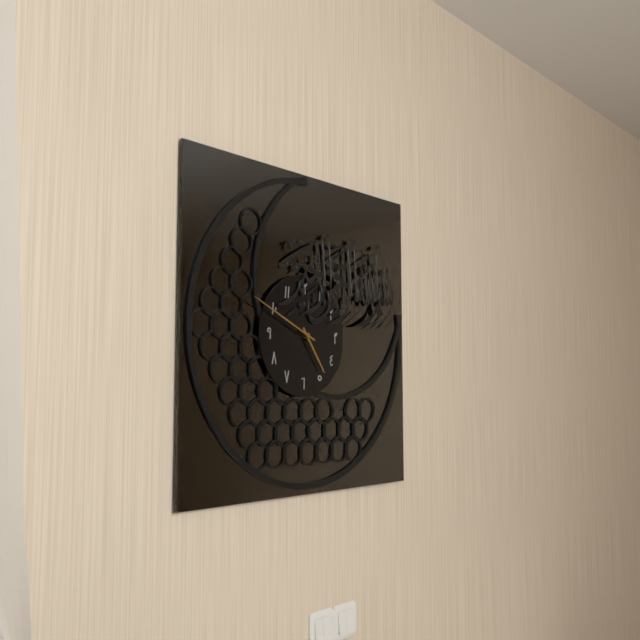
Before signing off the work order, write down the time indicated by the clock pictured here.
4:49
